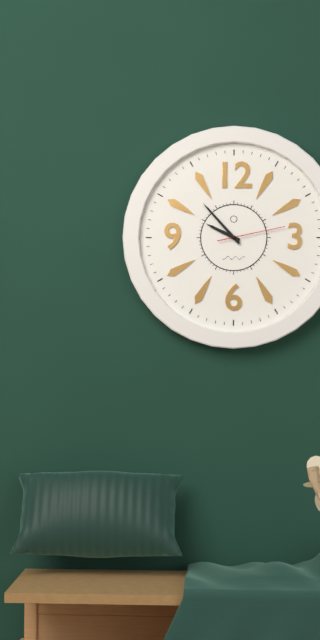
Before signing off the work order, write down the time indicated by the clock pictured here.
9:53:13
